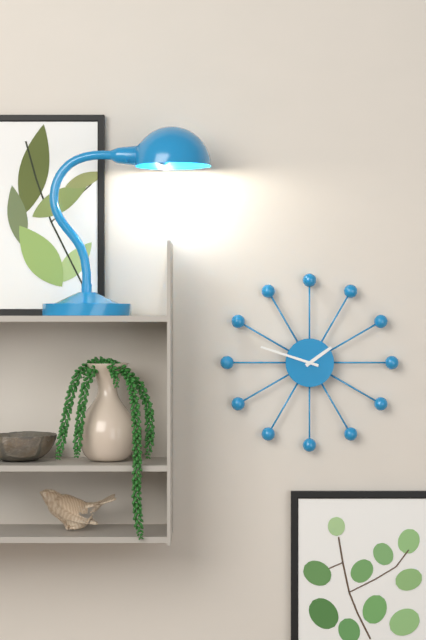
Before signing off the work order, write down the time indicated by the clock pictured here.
1:48
